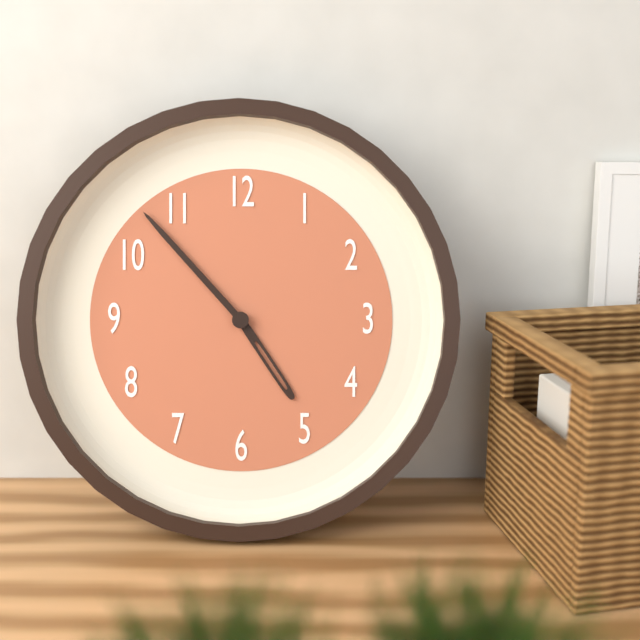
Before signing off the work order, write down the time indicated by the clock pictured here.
4:53
